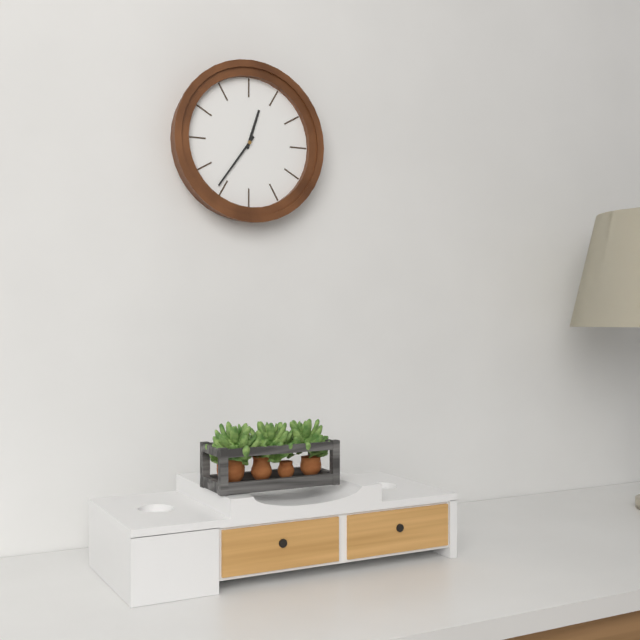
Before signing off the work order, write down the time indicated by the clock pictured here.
12:36
